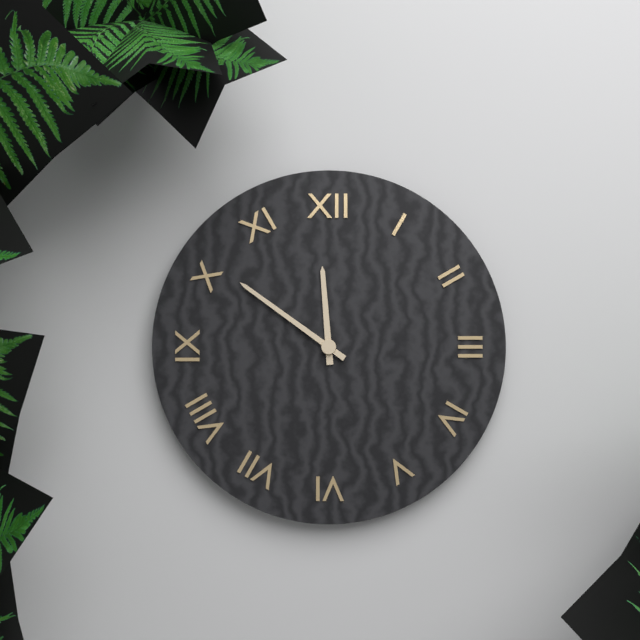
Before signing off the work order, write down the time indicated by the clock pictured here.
11:51
